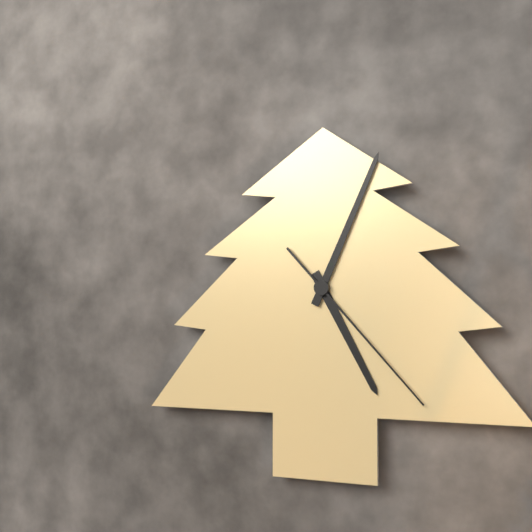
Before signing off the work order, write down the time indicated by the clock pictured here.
5:04:23
